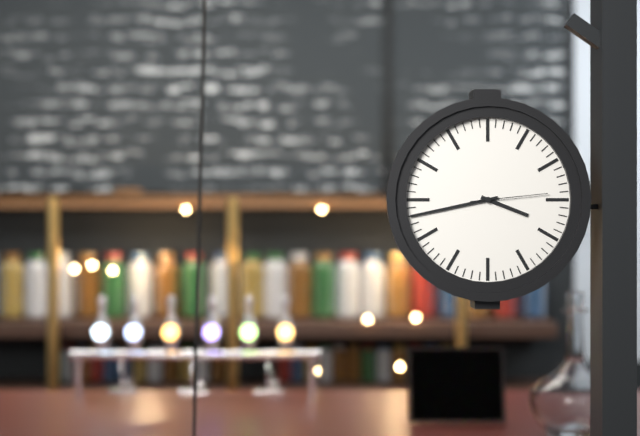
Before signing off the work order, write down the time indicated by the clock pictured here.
3:43:14
